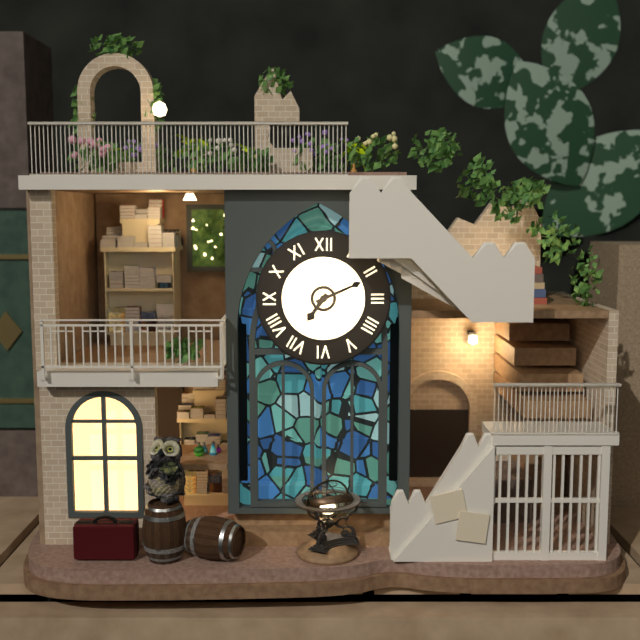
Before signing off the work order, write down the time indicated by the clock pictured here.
7:11
